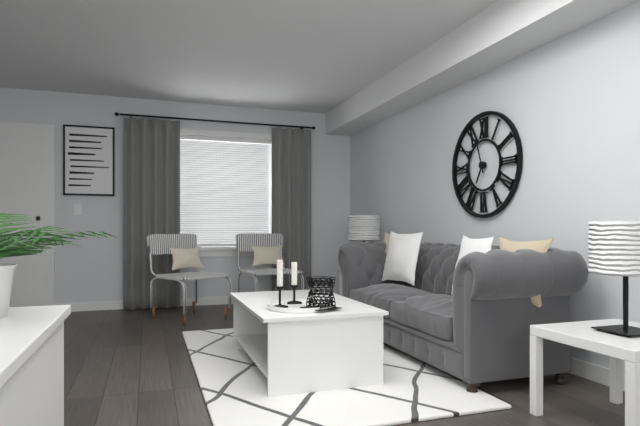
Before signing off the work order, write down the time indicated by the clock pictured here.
6:57
